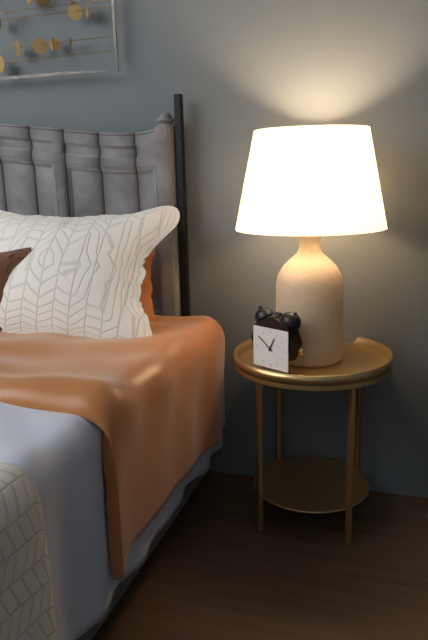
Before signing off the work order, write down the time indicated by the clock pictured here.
12:51
